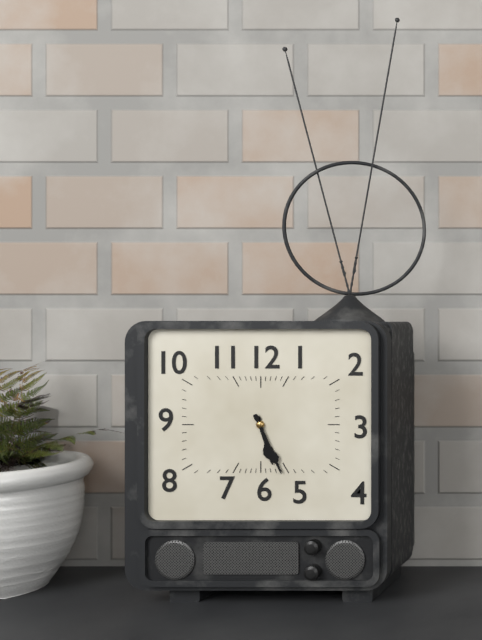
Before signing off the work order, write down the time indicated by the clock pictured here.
5:26
